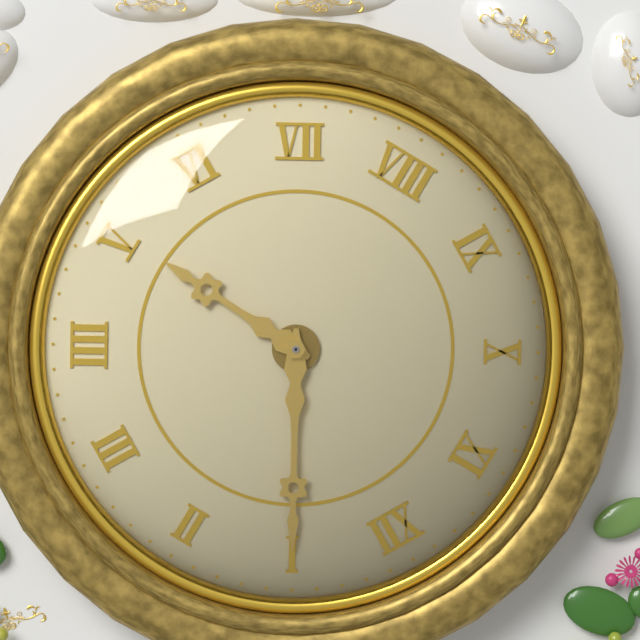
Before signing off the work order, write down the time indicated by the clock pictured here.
5:05
